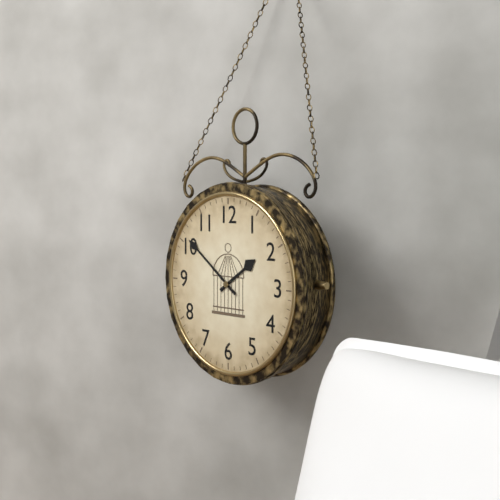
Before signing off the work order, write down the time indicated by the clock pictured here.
1:51
